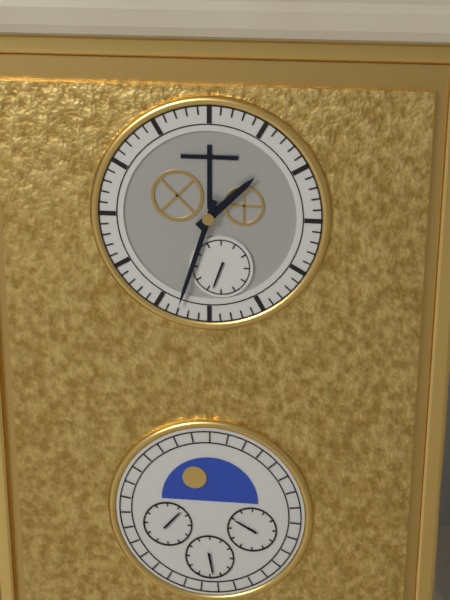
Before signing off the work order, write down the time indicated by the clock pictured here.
1:33
